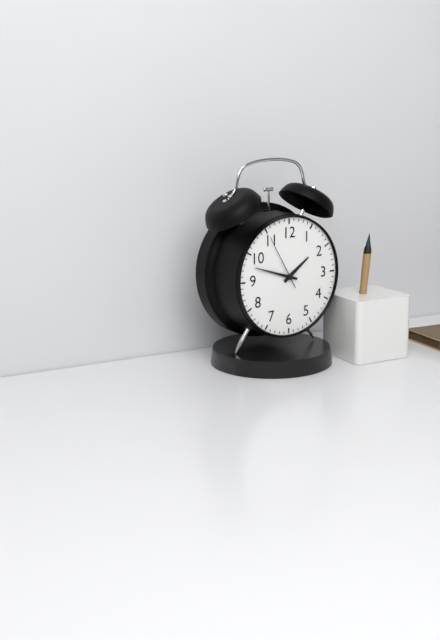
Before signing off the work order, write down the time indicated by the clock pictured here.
1:48:55
